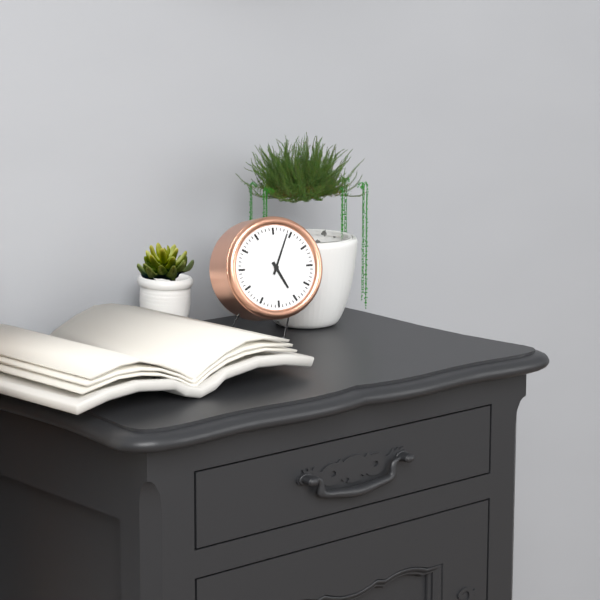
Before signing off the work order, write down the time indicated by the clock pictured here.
5:04
